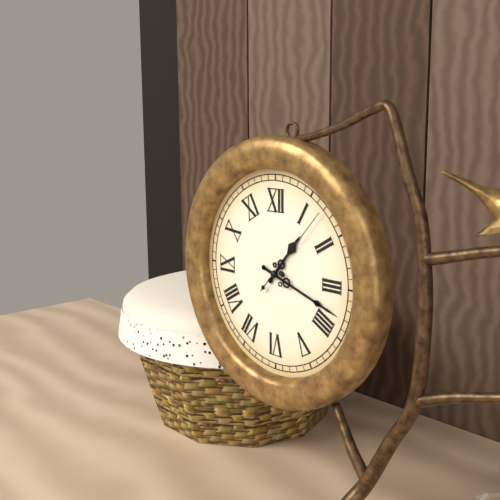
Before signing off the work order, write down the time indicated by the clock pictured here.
1:18:07
